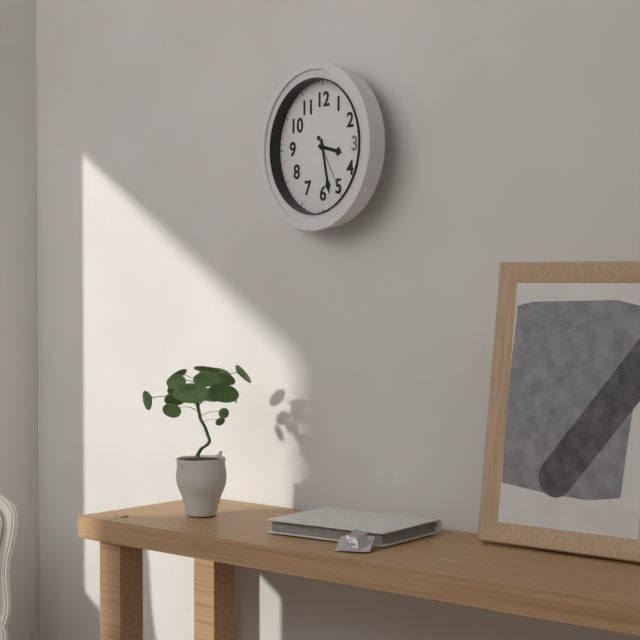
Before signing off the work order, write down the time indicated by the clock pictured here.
3:28:25
